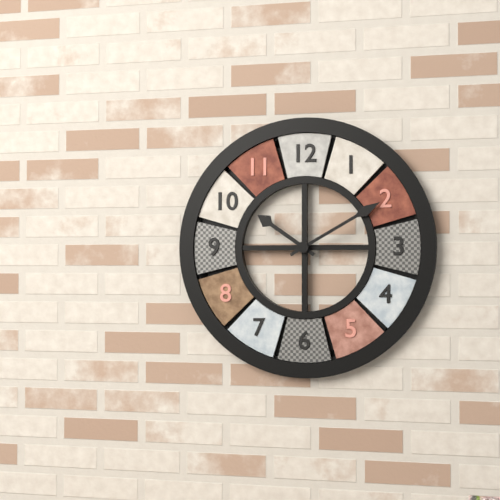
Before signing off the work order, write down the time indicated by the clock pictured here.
10:10
